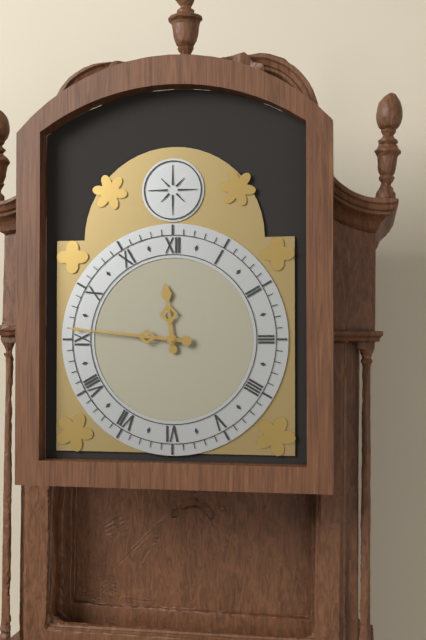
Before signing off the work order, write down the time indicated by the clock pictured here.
11:46
